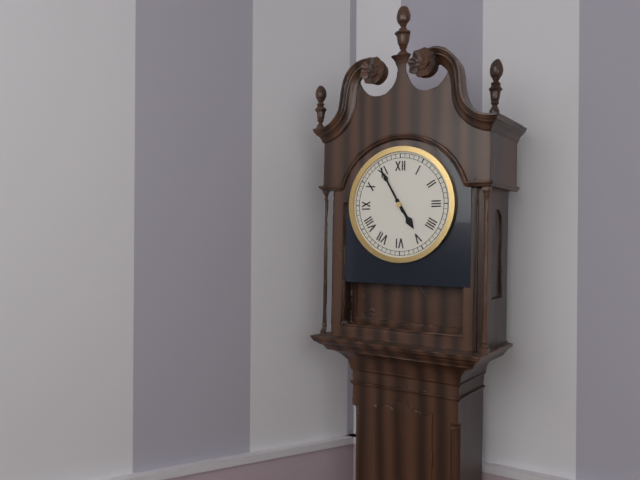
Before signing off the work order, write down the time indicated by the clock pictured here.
4:55
